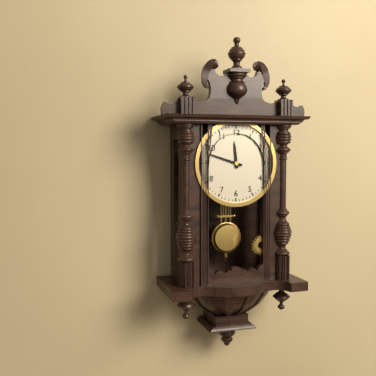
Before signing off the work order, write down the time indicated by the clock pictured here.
11:48
